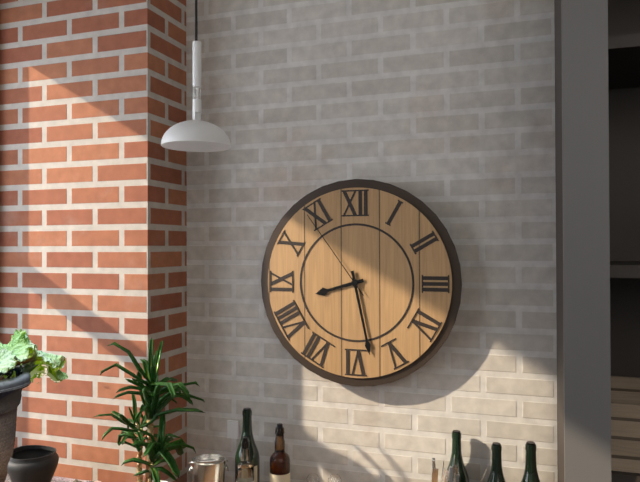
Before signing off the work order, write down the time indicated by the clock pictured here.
8:28:54
